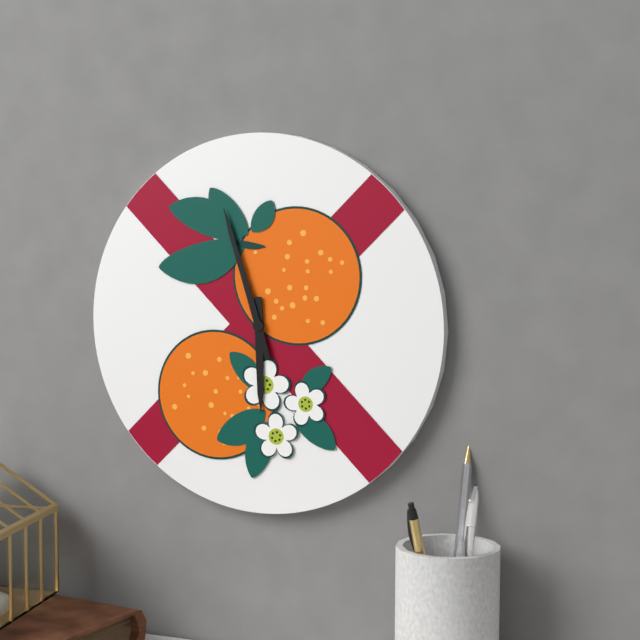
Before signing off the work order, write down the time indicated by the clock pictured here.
5:57
